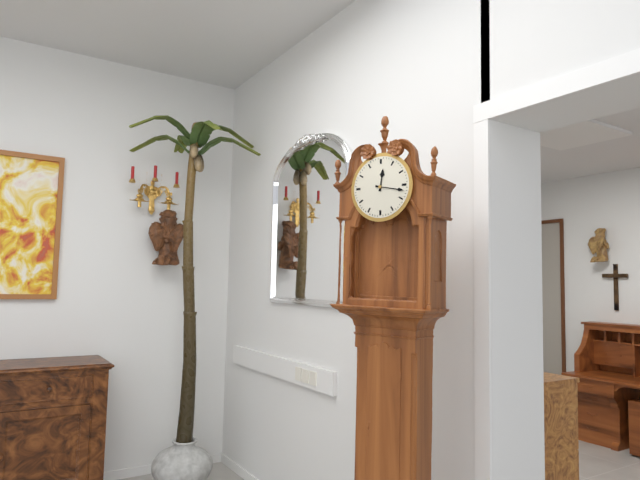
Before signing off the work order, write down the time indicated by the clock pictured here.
12:17
